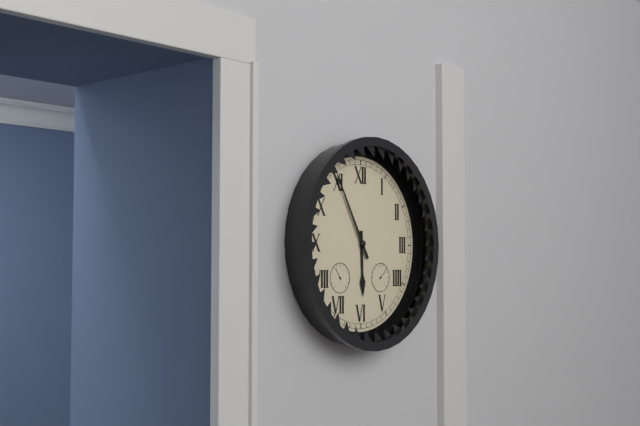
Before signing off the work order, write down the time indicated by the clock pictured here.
5:55
